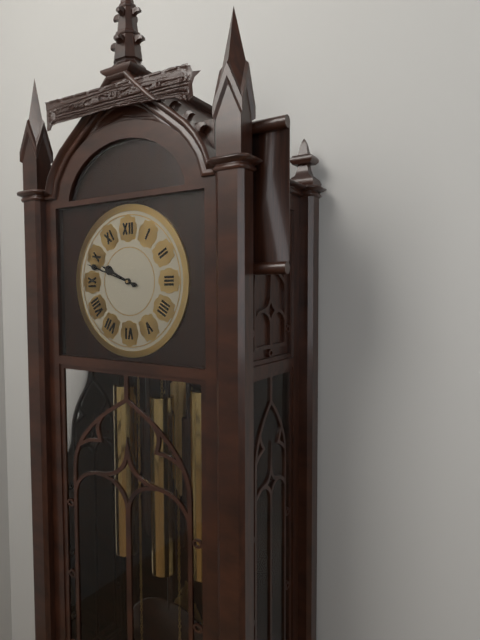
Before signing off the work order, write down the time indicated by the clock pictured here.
9:48
